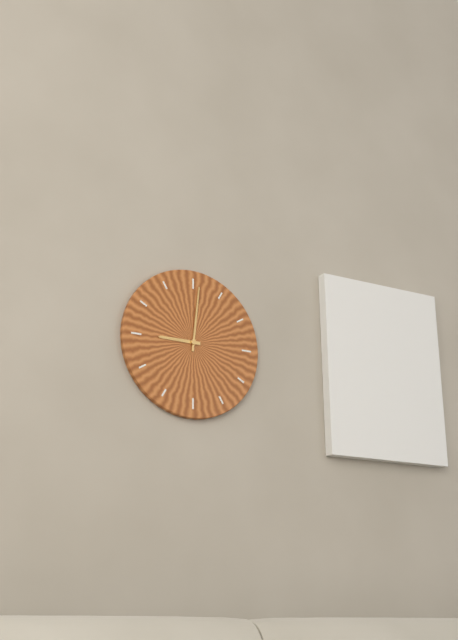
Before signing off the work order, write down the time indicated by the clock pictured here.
9:01
